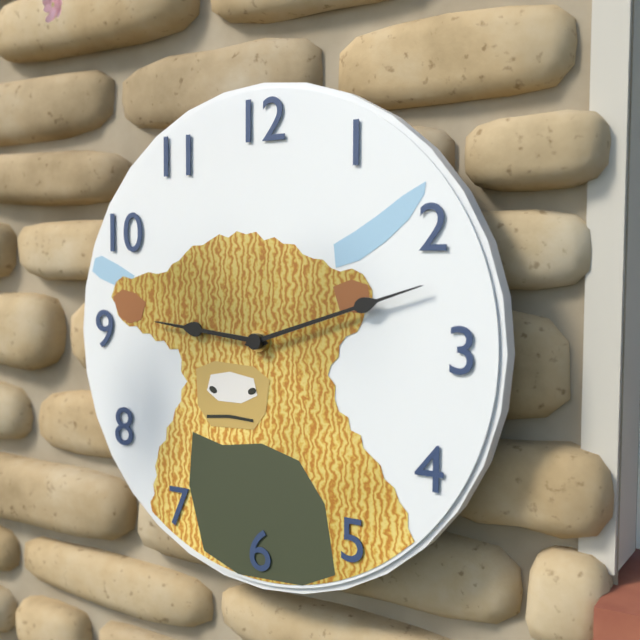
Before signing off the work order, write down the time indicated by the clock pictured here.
9:12
